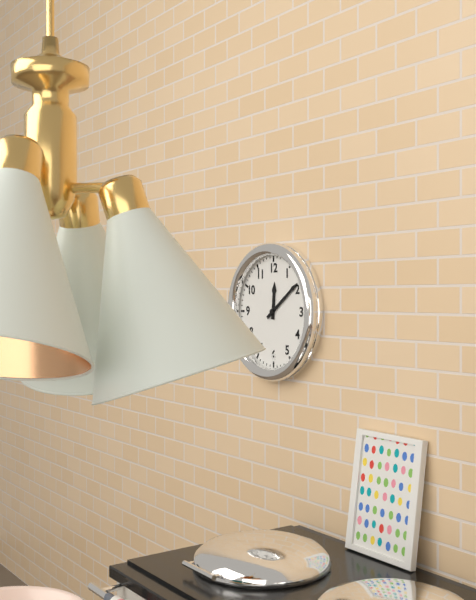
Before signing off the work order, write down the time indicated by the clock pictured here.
12:09
